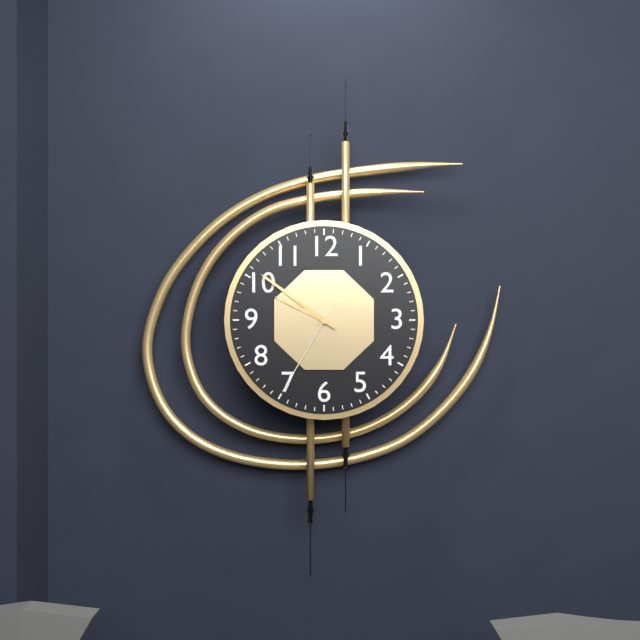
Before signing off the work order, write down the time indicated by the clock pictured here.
9:51:35
